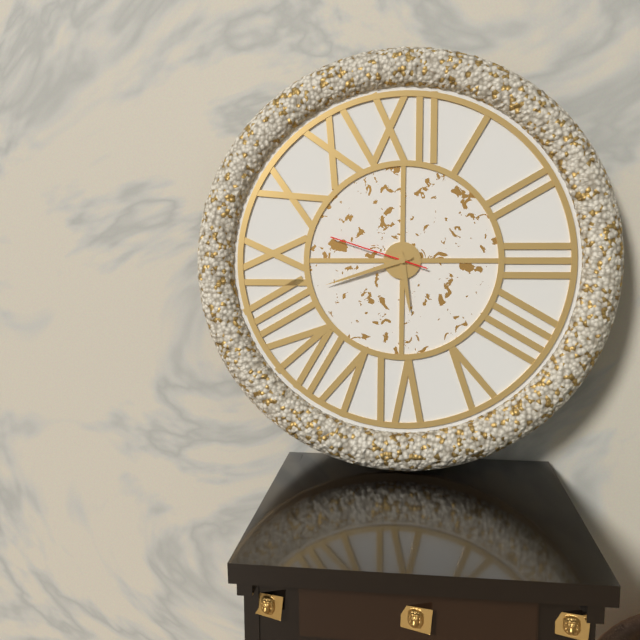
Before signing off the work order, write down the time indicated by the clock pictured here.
5:42:48
